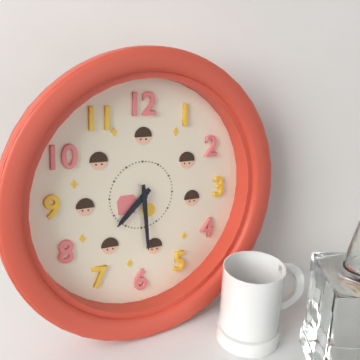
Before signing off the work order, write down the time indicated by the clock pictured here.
7:29
